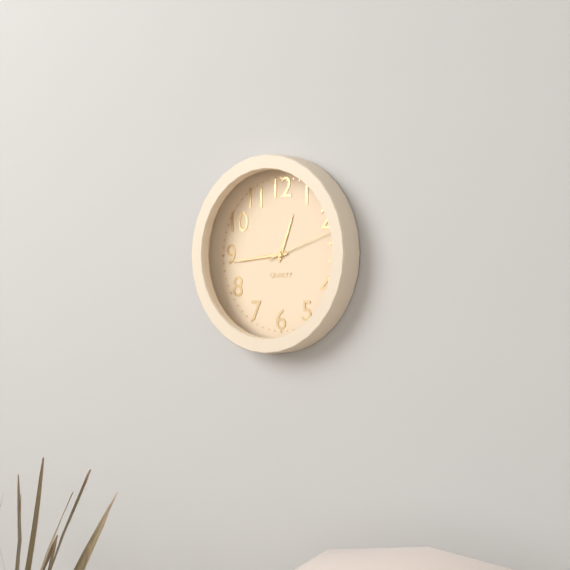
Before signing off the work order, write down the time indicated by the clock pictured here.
12:44:12
